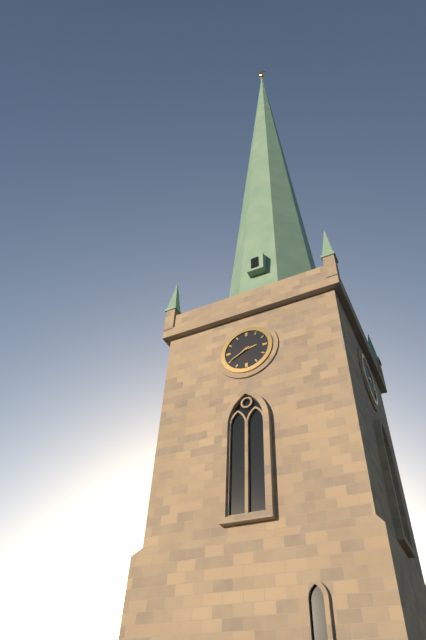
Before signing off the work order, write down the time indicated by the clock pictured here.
2:40
